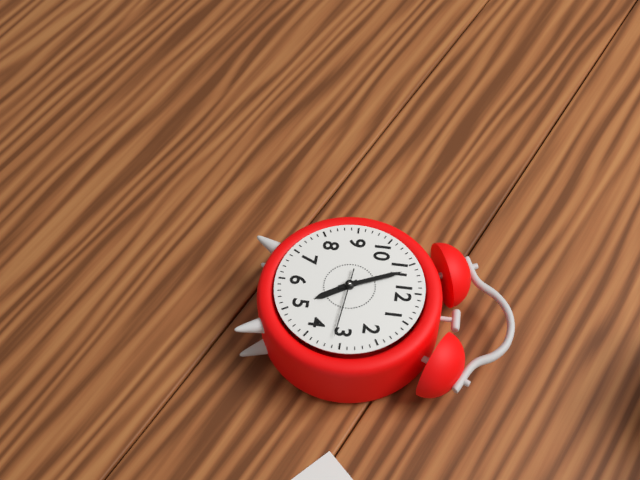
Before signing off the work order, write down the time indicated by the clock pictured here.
4:56:16
